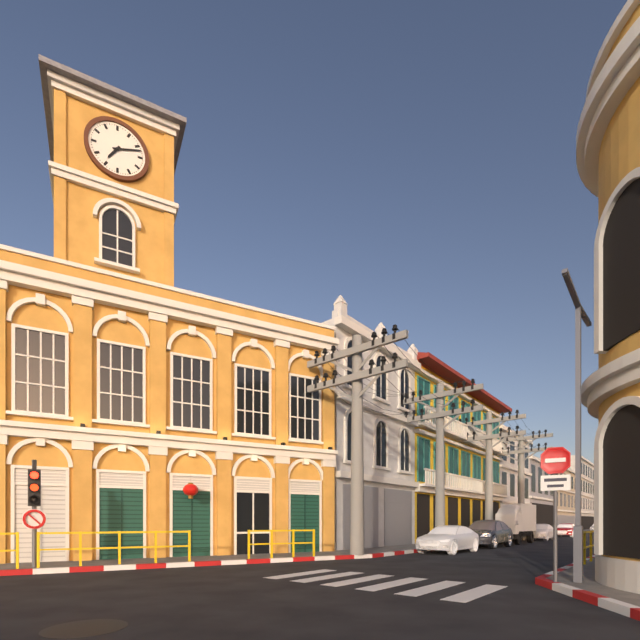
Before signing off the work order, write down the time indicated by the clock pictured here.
7:12
